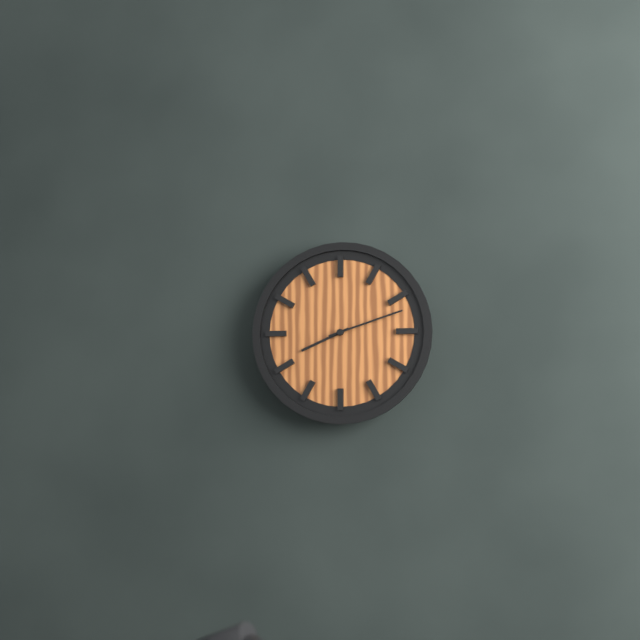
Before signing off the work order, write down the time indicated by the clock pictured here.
8:12
